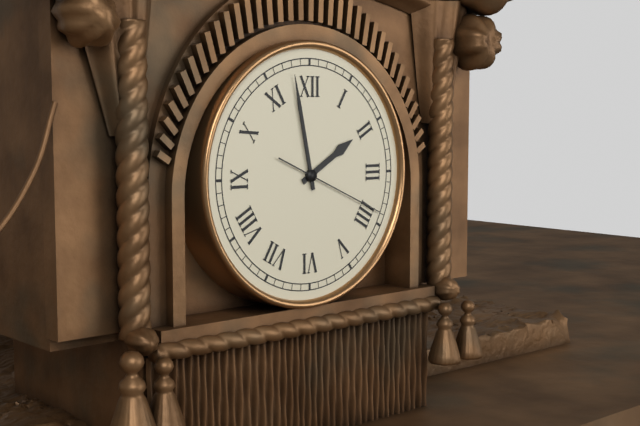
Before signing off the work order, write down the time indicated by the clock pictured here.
1:58:19
